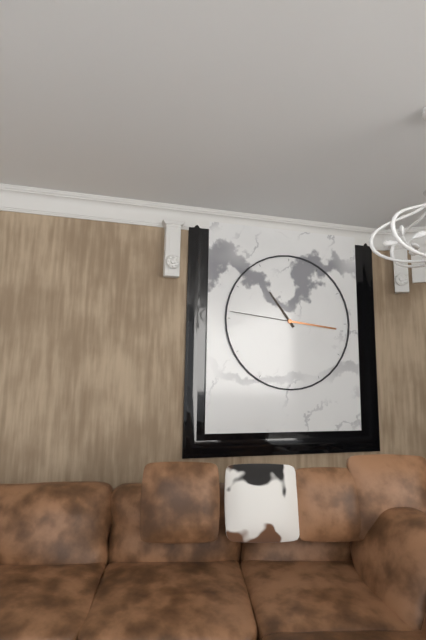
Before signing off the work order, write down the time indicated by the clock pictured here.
10:46
